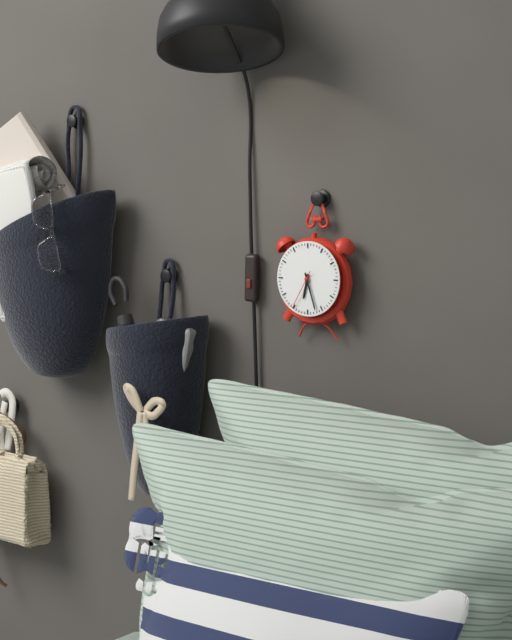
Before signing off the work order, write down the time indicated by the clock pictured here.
6:27
